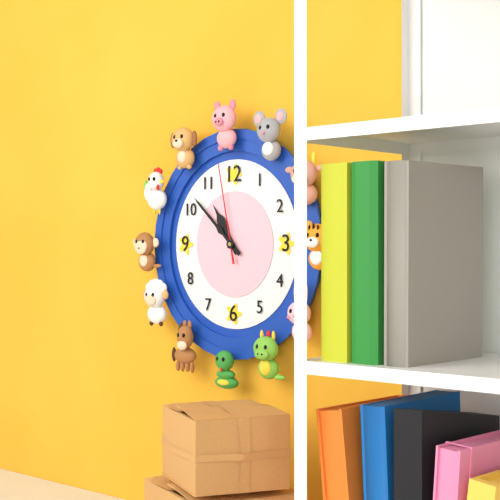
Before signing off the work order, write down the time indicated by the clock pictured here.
10:52:58
